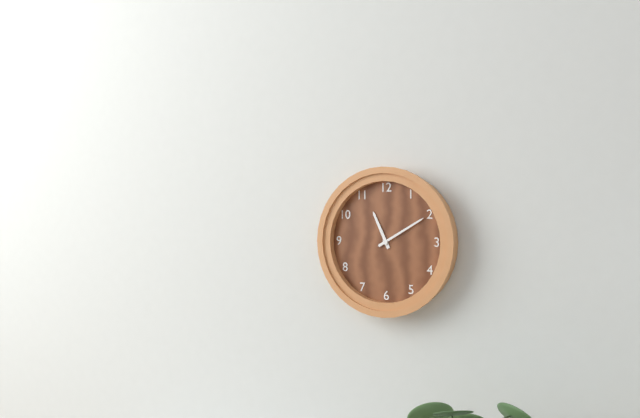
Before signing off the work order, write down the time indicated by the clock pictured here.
11:10
